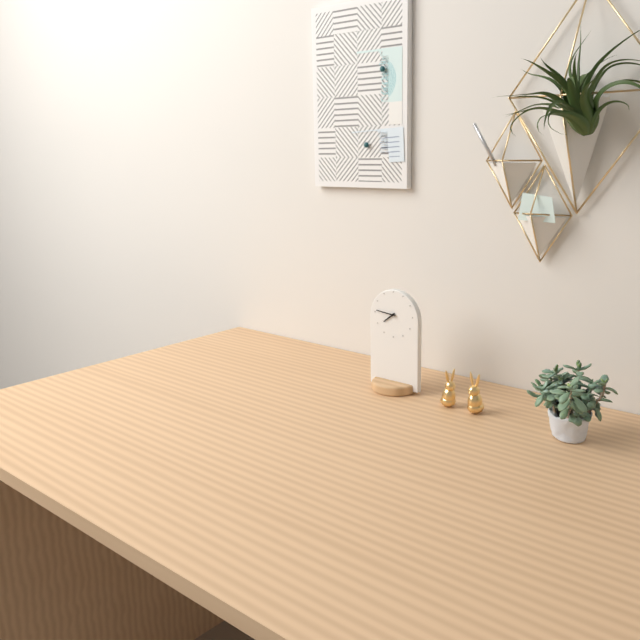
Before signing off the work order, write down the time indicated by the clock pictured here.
7:46
